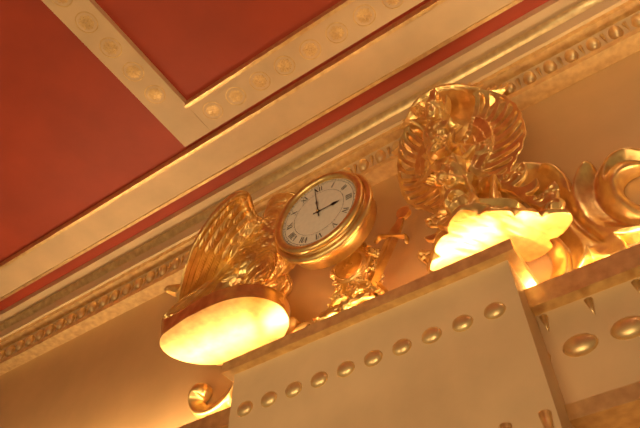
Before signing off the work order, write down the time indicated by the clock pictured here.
2:59
